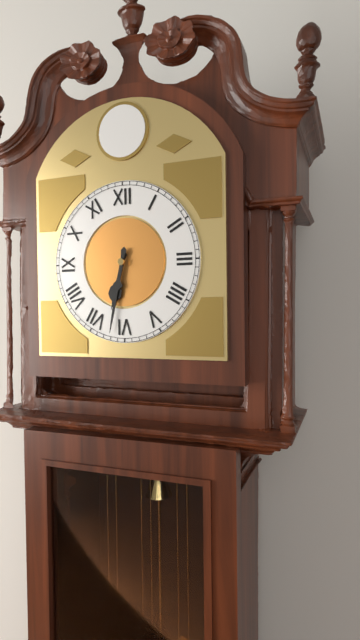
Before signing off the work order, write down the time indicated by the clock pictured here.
6:32
